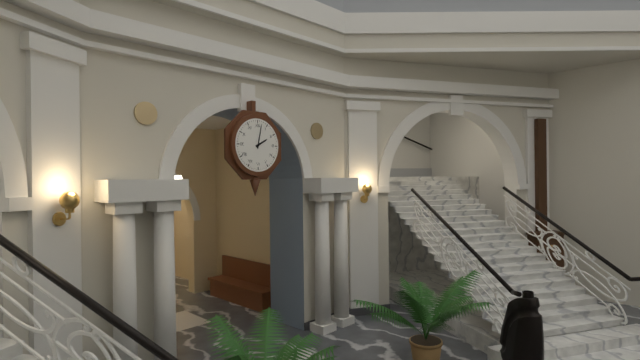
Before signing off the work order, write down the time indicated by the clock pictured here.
2:02
